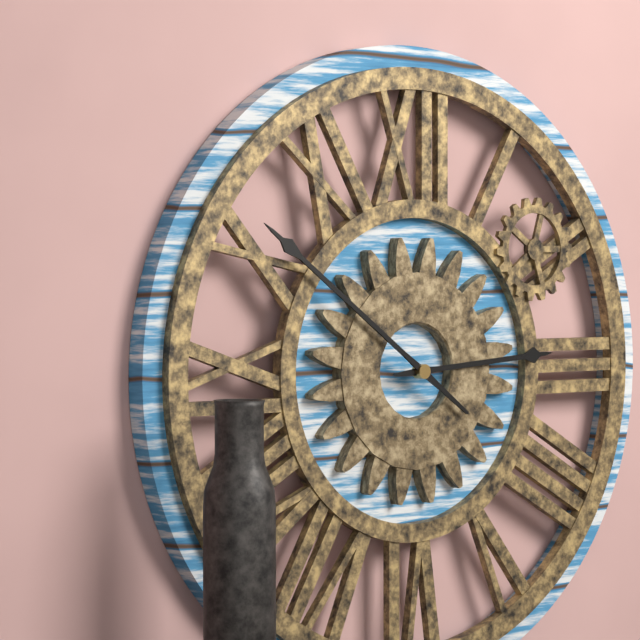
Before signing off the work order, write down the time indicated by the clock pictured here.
2:51
